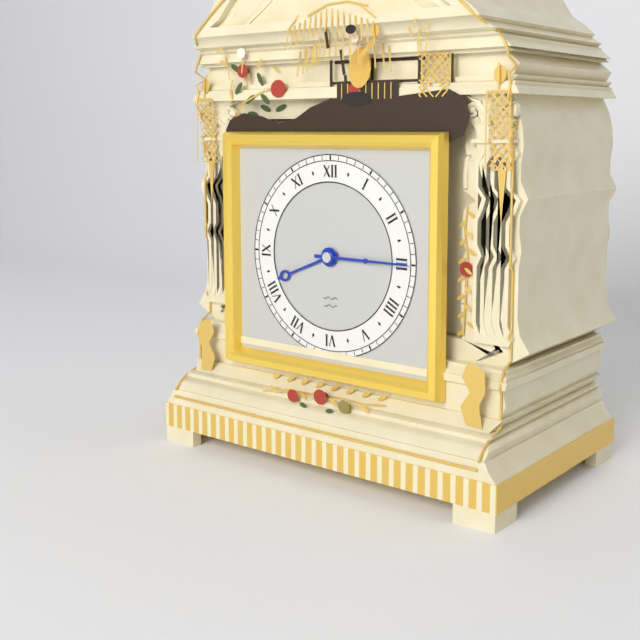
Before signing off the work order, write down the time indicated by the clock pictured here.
8:15
